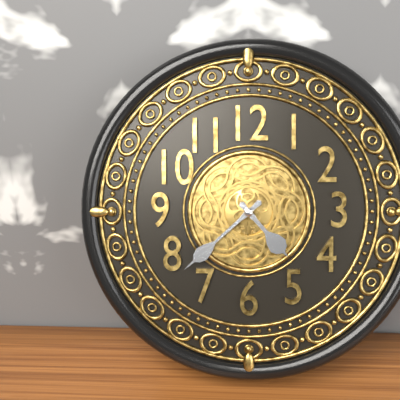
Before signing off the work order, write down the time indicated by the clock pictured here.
4:38
